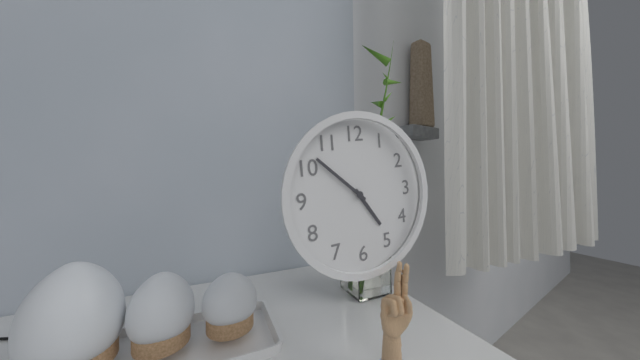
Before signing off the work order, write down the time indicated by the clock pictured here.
4:52
